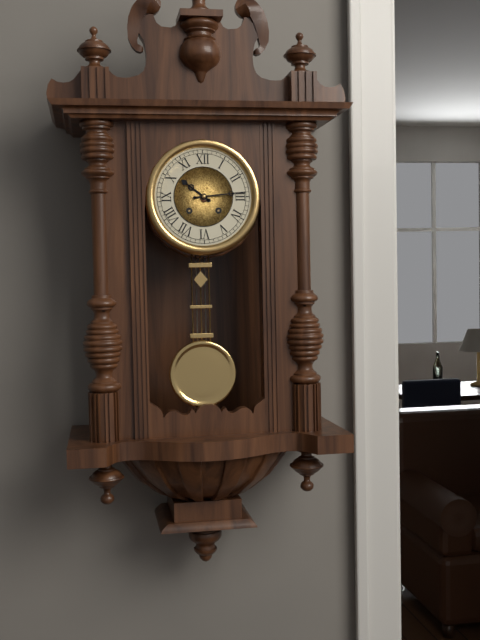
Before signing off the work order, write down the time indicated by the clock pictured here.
10:14
